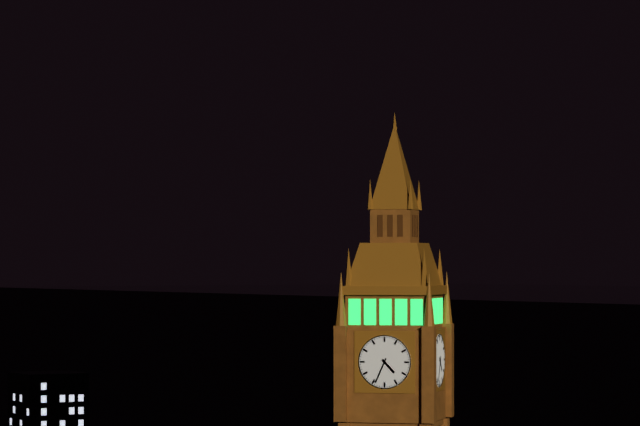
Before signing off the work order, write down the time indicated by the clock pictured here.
4:34
